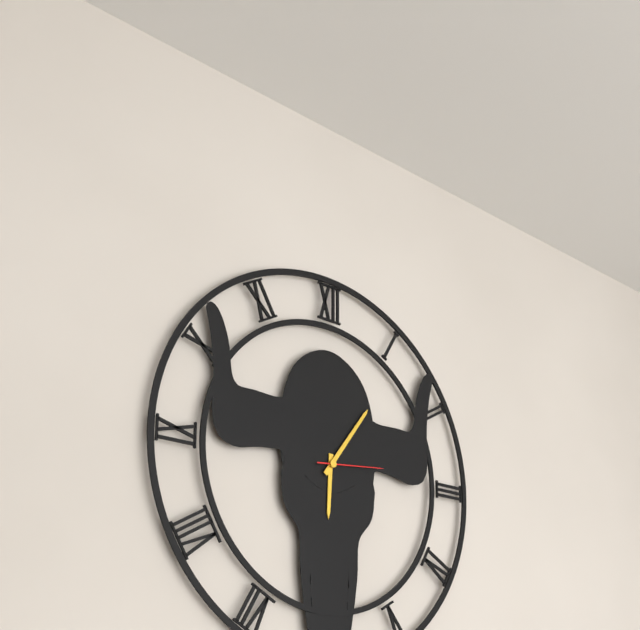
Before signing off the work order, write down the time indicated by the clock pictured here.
6:06:14
